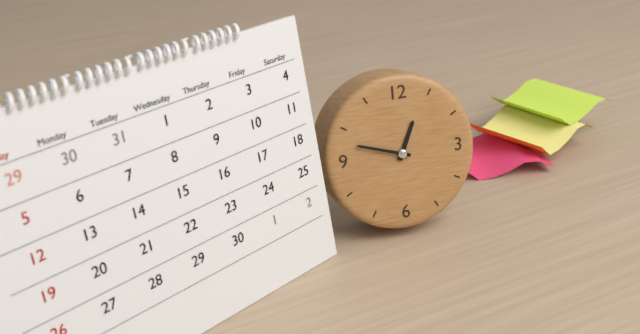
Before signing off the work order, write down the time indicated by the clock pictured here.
12:48
